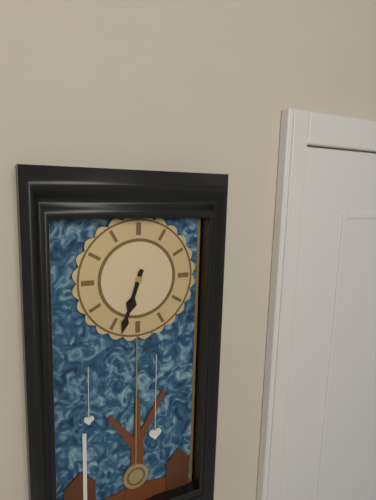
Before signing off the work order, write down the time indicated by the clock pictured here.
6:33
